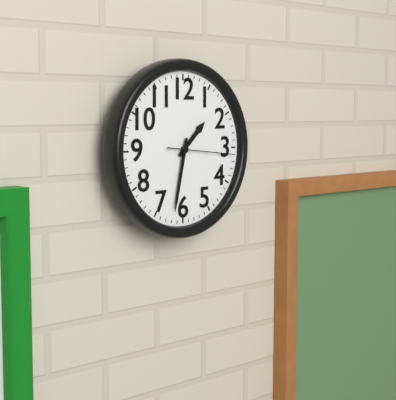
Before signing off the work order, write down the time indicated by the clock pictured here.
1:32:16
